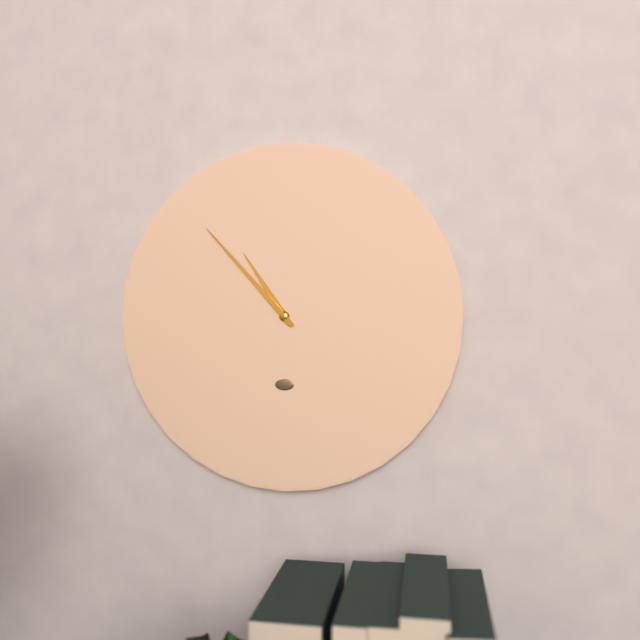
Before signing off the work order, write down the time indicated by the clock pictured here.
10:53
